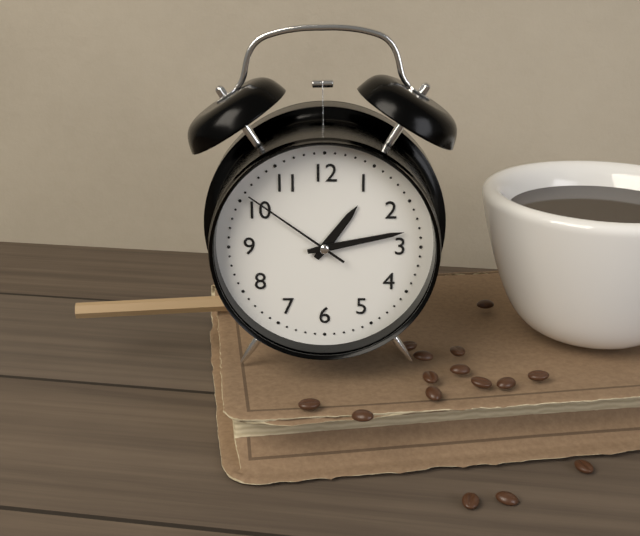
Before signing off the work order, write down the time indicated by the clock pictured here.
1:13:51
